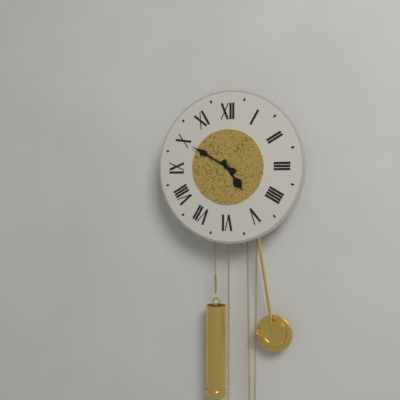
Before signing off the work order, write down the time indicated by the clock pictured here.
4:50
